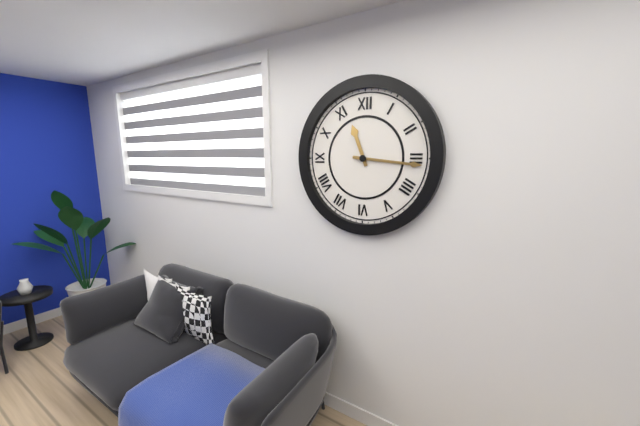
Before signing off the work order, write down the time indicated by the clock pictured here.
11:16
